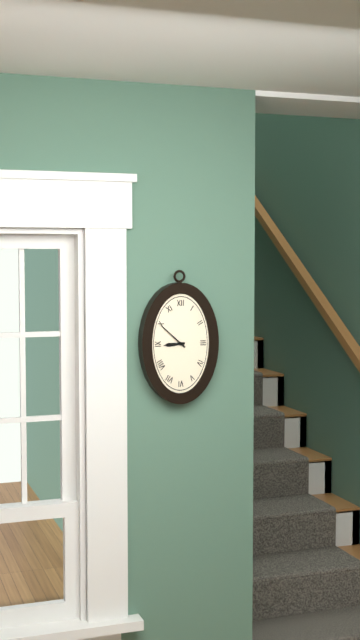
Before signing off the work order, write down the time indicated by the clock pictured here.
8:52
